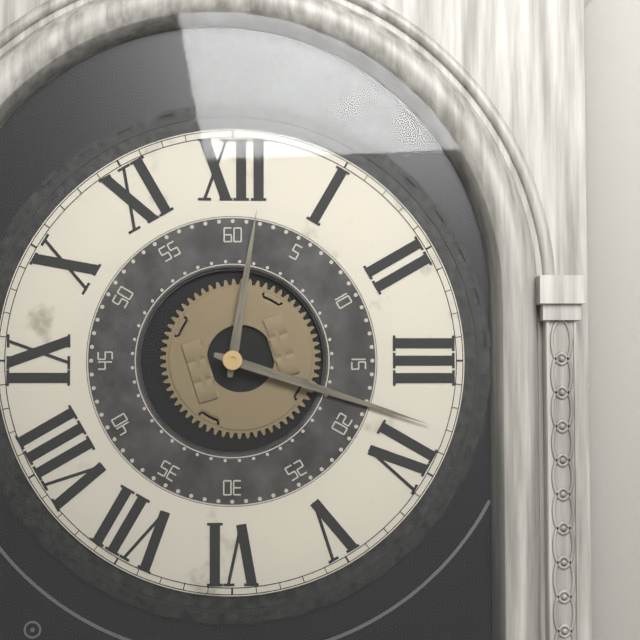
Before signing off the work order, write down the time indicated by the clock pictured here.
12:18
